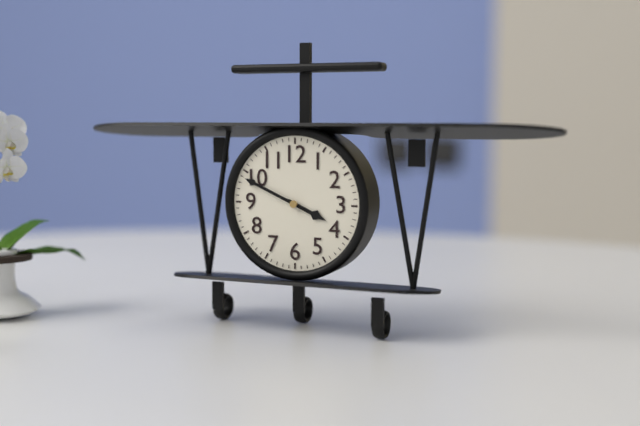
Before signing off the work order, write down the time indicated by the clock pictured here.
3:49
